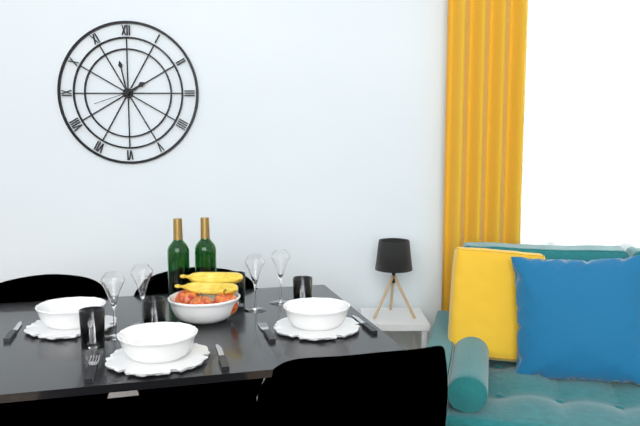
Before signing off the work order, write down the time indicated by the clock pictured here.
1:58
